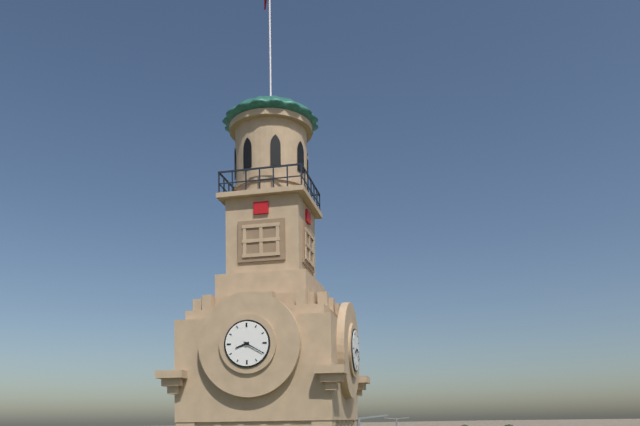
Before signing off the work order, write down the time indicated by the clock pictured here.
8:20
